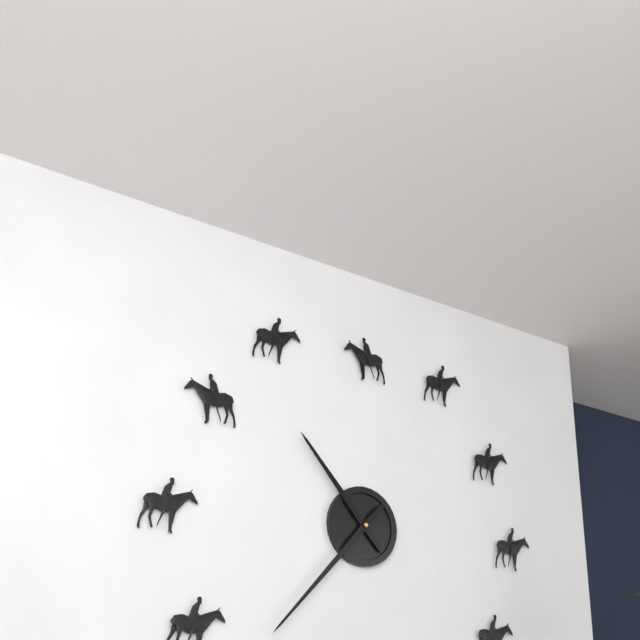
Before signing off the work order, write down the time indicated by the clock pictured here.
10:37
